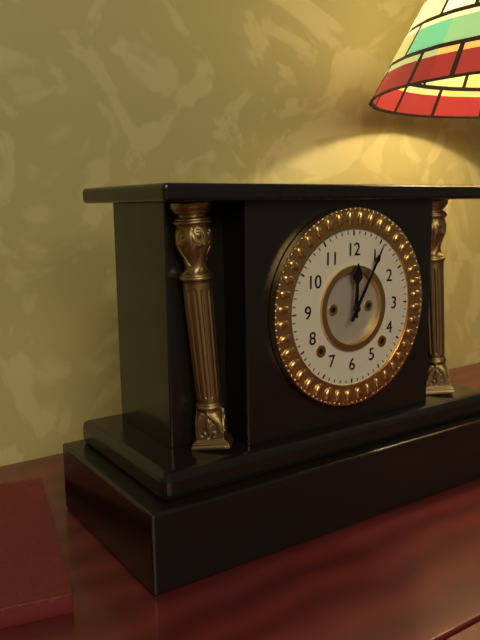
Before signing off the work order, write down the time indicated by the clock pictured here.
12:05
